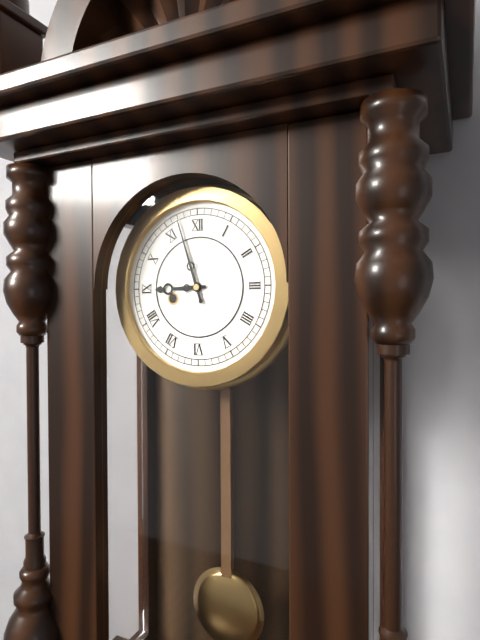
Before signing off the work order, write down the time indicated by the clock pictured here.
8:57
